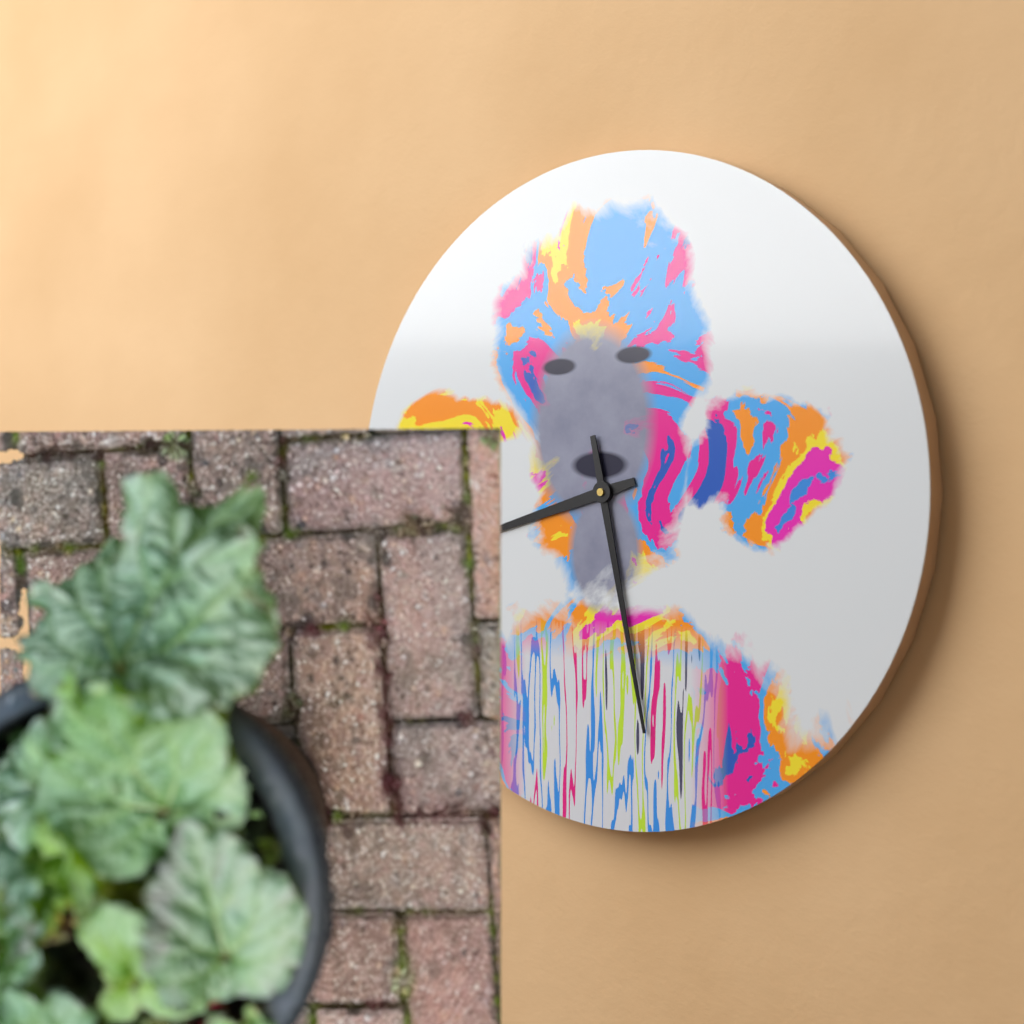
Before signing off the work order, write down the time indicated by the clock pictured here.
8:28
